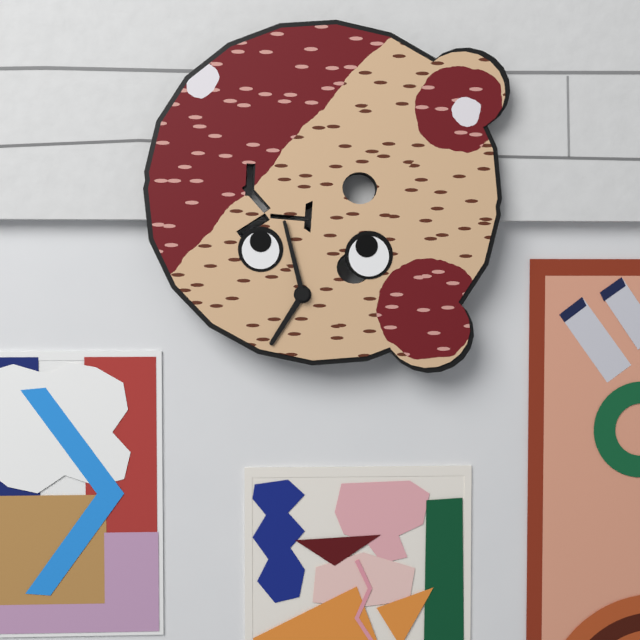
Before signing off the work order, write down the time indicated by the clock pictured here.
6:57
